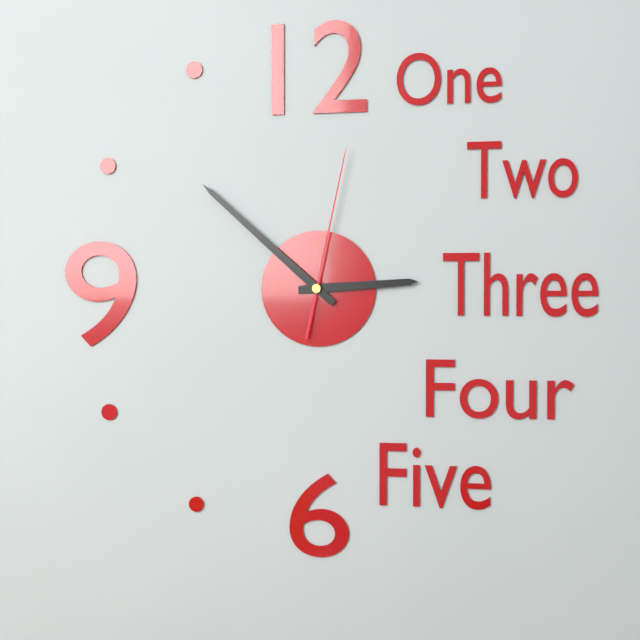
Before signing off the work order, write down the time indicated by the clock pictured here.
2:52:02
